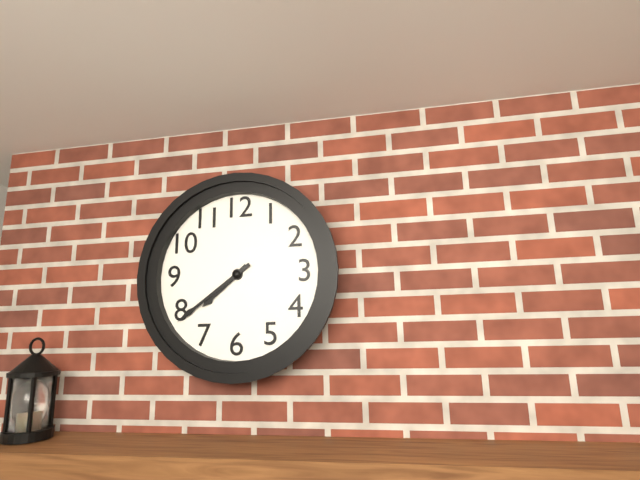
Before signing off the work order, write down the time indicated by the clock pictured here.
7:39
